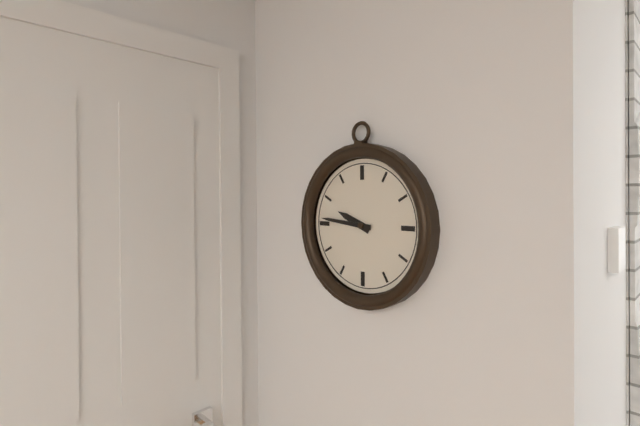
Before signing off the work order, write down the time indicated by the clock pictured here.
9:46
